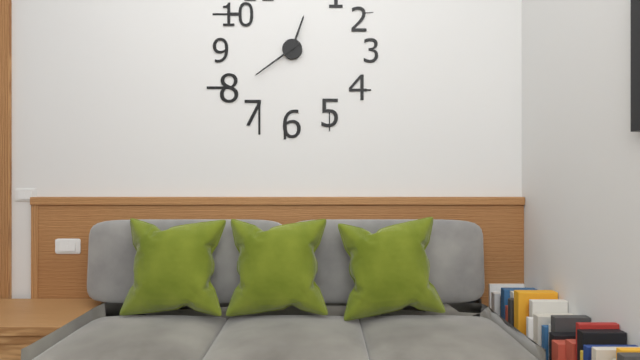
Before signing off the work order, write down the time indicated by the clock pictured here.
12:39
